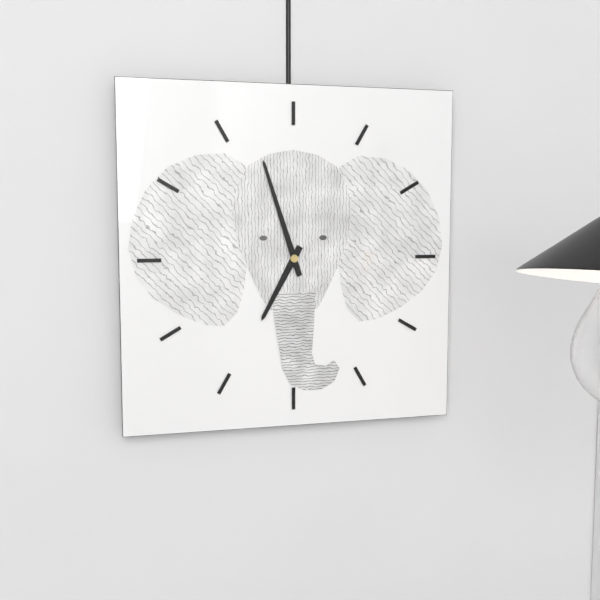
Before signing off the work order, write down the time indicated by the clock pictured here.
6:57
